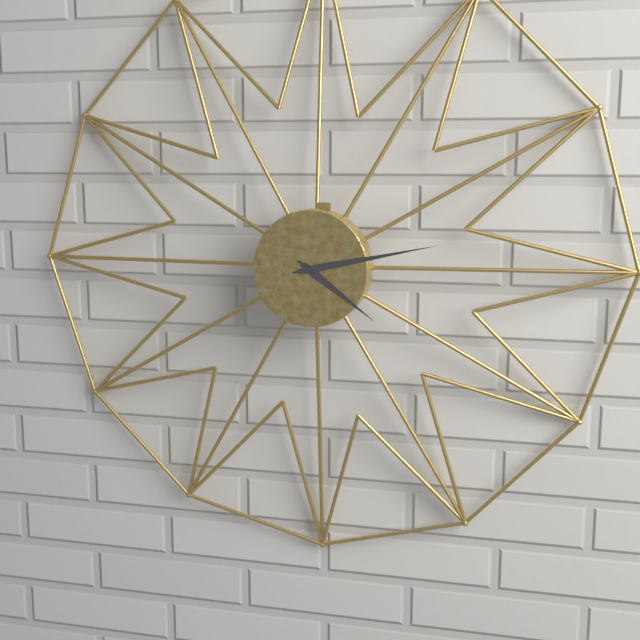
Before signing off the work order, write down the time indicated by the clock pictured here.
4:13
